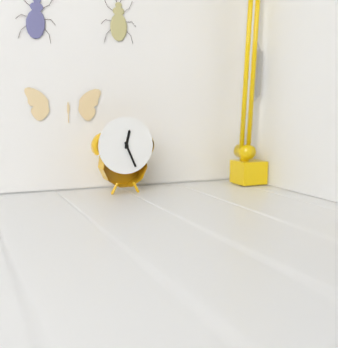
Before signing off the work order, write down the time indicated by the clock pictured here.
12:26
